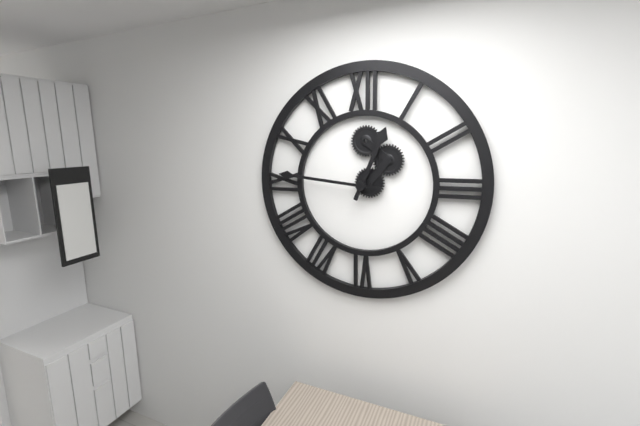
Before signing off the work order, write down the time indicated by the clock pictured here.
12:46
